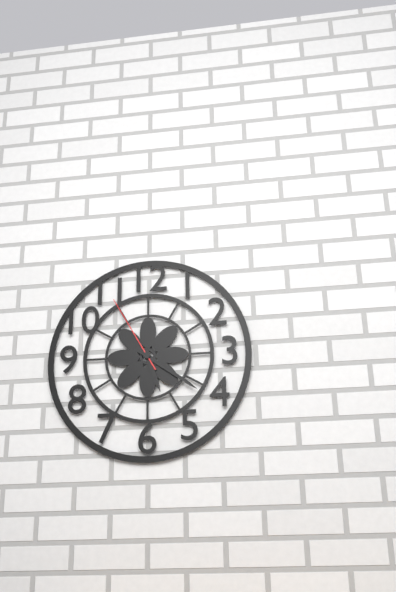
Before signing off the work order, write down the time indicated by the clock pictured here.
5:21:55
